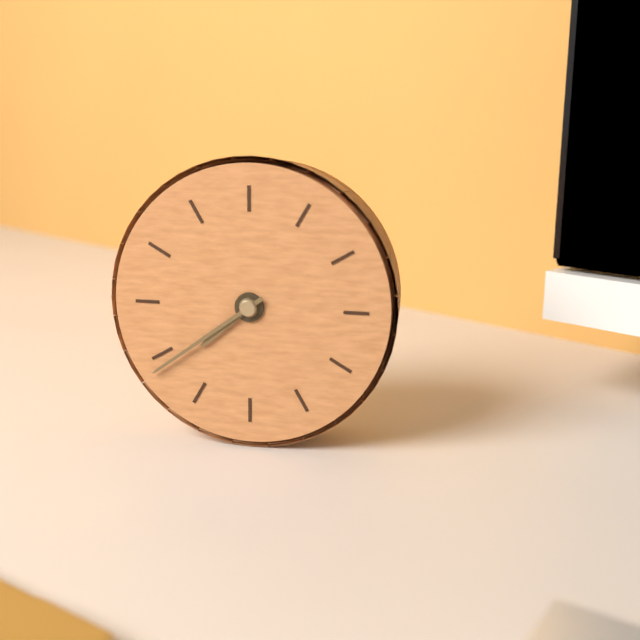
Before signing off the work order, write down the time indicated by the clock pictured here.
7:39
